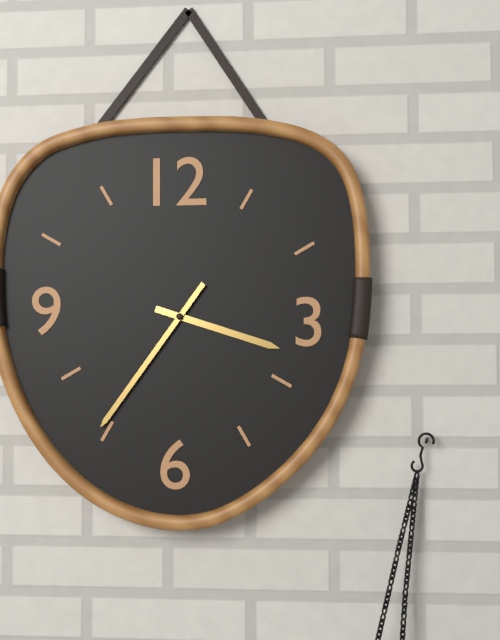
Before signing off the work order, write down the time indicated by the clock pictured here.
3:36
